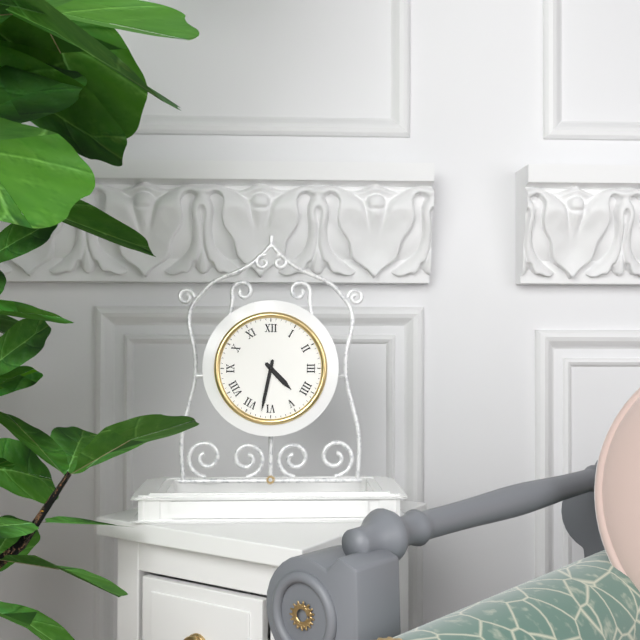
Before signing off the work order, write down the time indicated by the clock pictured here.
4:32
